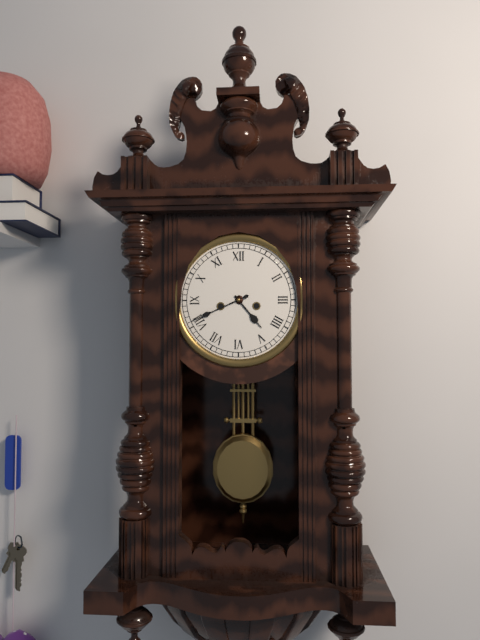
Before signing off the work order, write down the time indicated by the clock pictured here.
4:41
